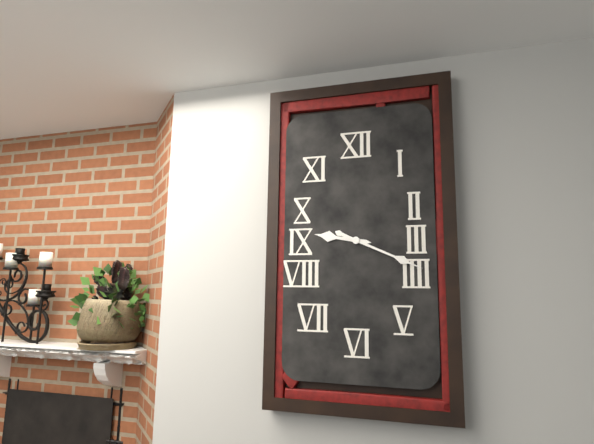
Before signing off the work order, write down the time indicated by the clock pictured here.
9:19
